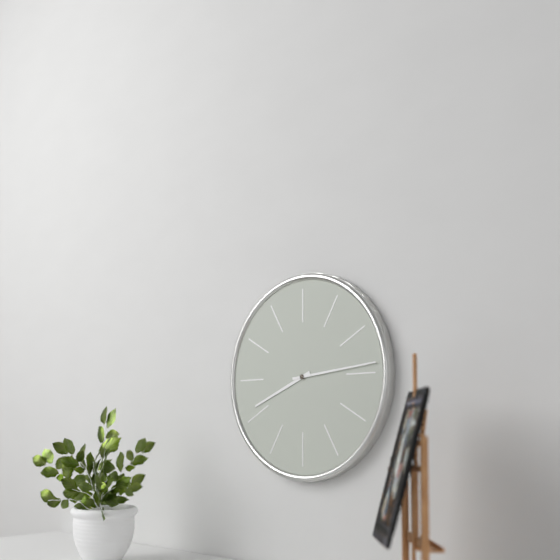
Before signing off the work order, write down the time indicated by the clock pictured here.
8:14
